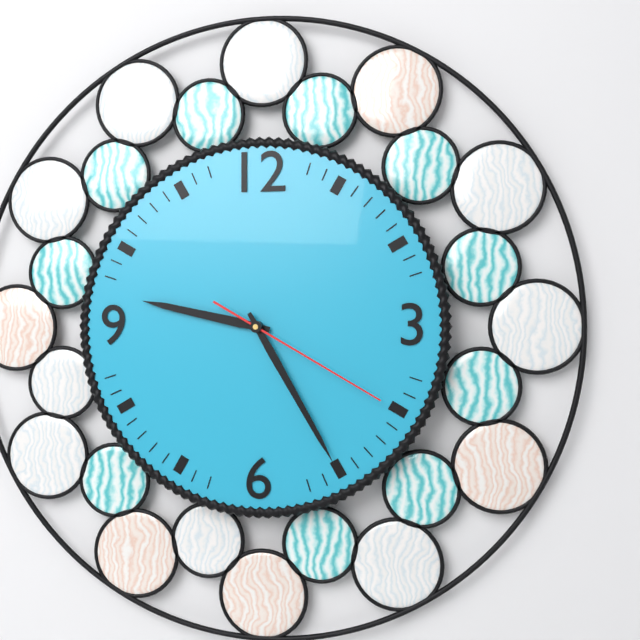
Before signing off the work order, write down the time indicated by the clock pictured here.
9:25:20
